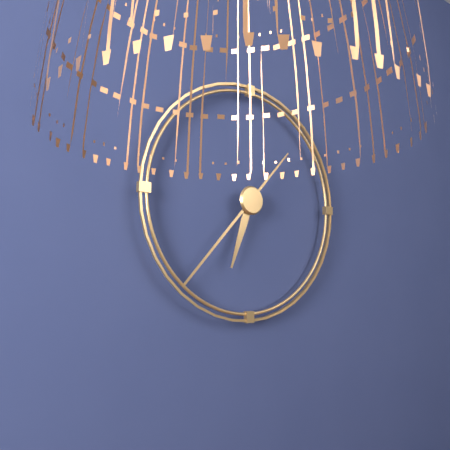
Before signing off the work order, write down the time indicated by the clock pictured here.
6:37
